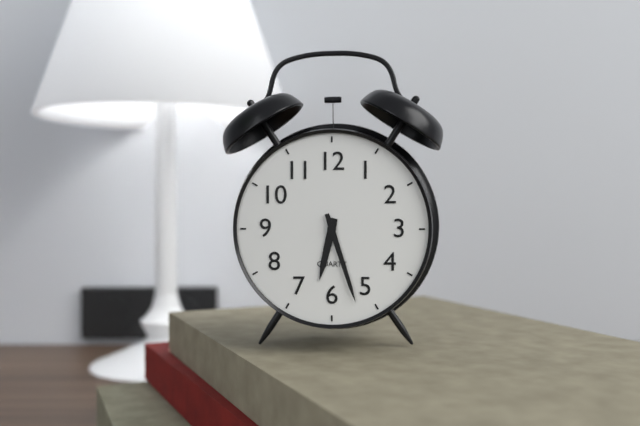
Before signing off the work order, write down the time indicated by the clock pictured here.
6:27
